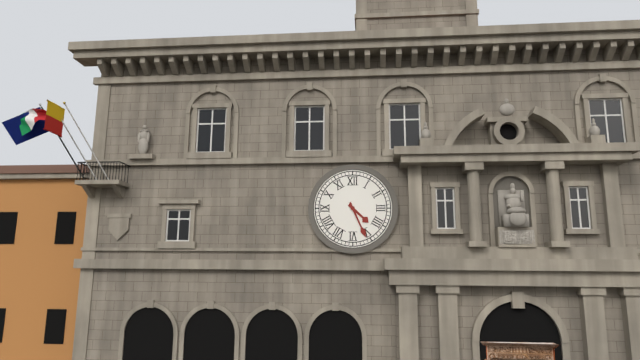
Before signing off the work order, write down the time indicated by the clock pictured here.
4:26
